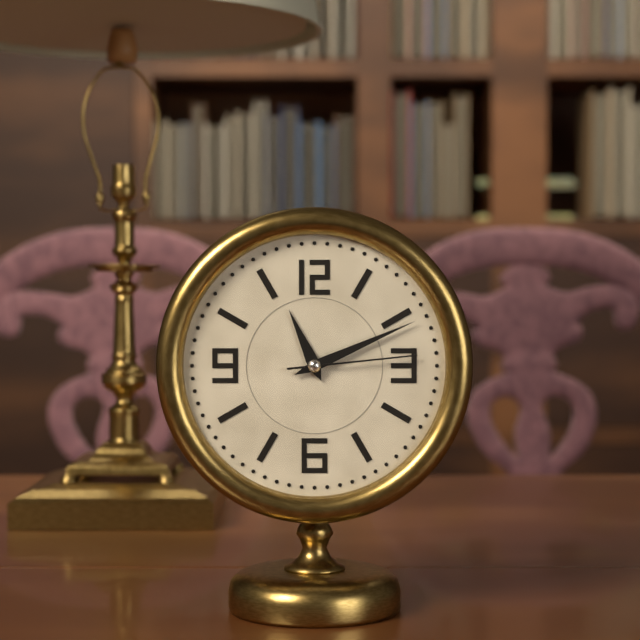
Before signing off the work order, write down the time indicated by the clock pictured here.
11:11:14
